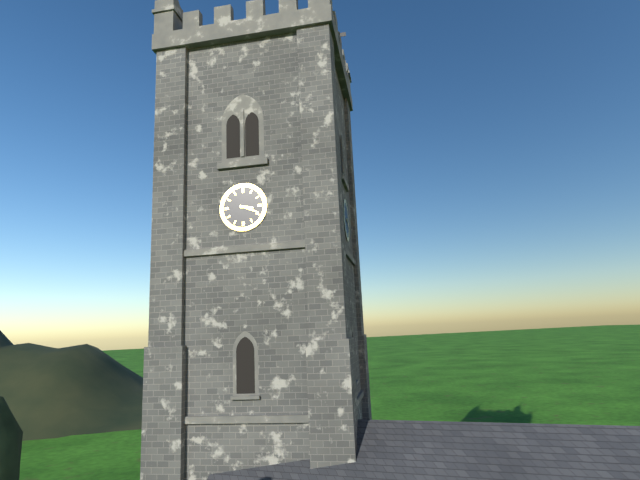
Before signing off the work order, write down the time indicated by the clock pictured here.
3:19
